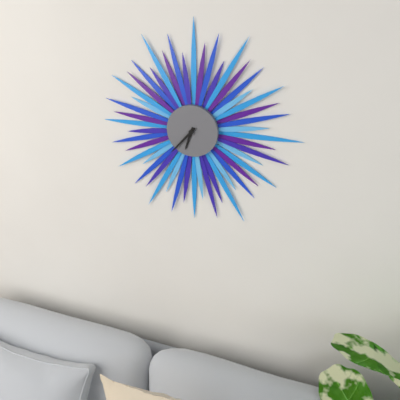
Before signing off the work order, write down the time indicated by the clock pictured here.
6:37
